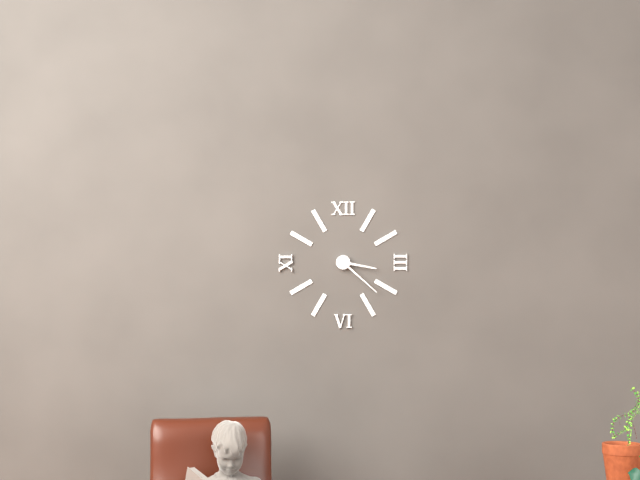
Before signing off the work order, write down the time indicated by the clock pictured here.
3:22
